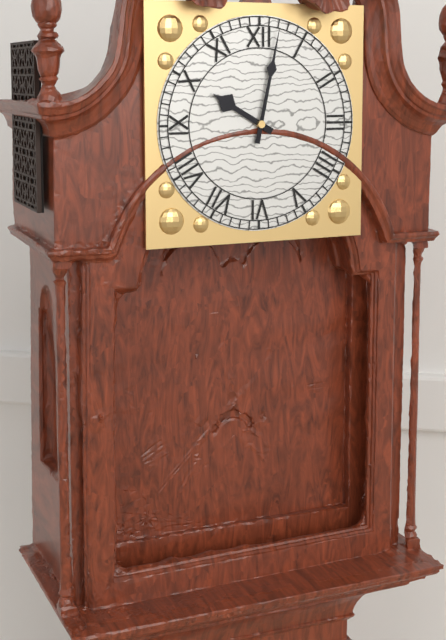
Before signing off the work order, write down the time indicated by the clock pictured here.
10:02
